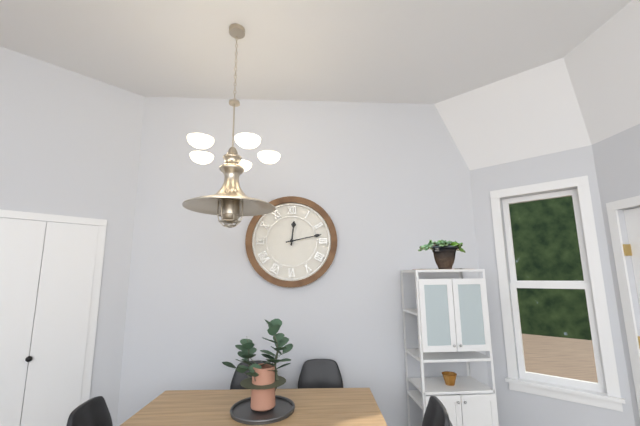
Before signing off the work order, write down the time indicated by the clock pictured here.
12:13
